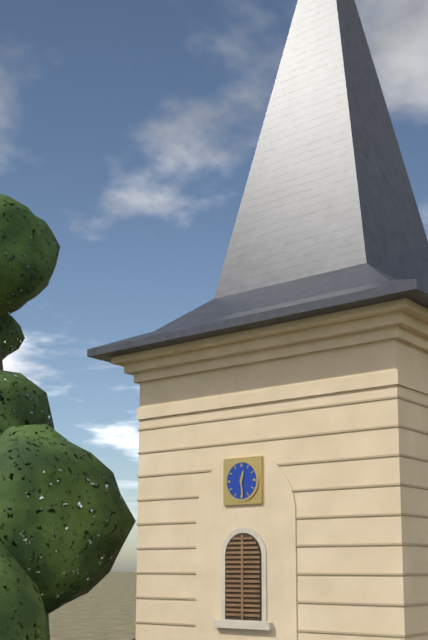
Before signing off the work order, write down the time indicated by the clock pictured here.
12:29
